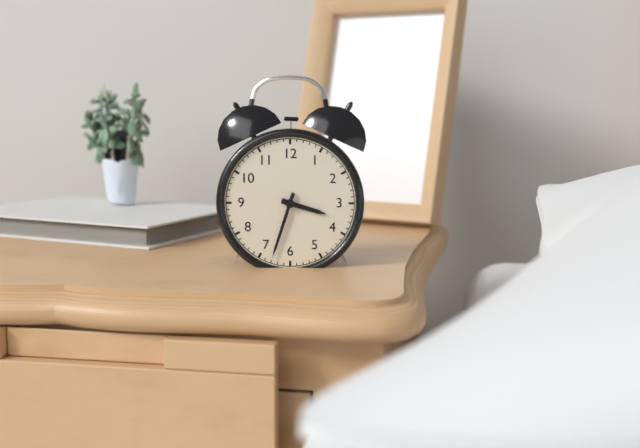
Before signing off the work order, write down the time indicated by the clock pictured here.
3:33
